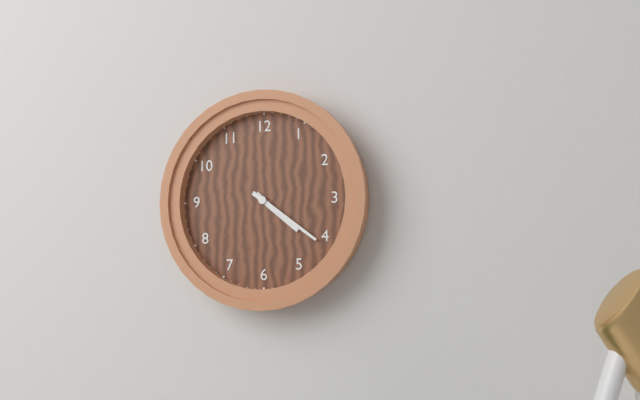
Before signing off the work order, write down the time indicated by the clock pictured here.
4:21
